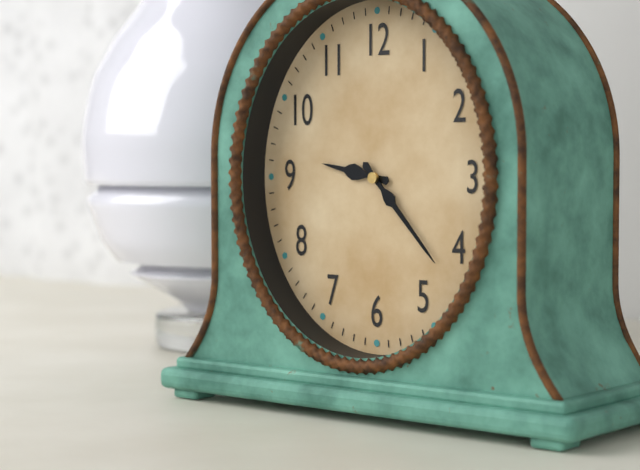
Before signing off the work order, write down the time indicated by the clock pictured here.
9:23
